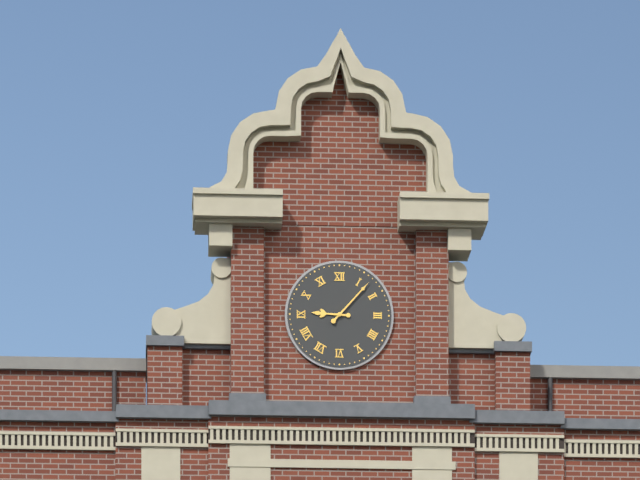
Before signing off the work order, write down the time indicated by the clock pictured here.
9:07
